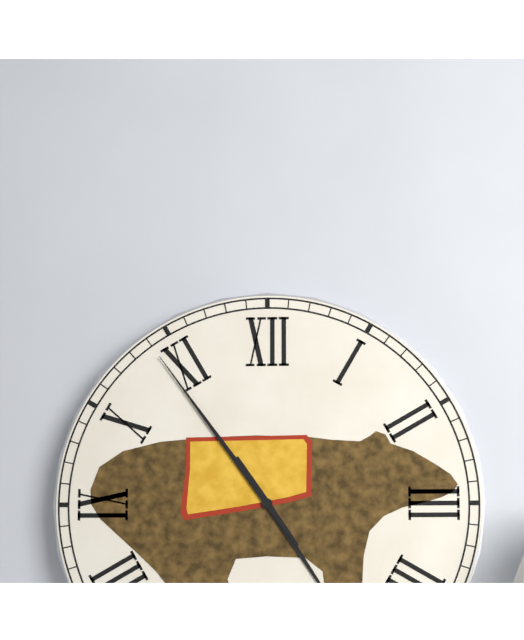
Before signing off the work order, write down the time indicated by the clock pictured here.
4:54
